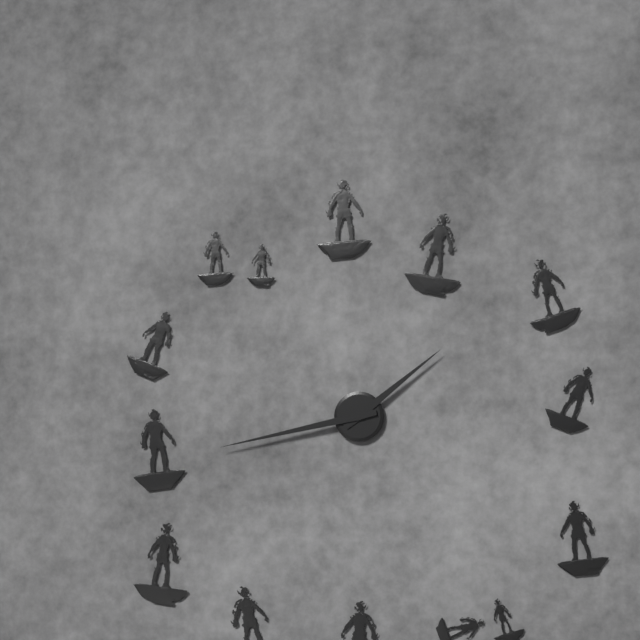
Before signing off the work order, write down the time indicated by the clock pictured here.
1:43
